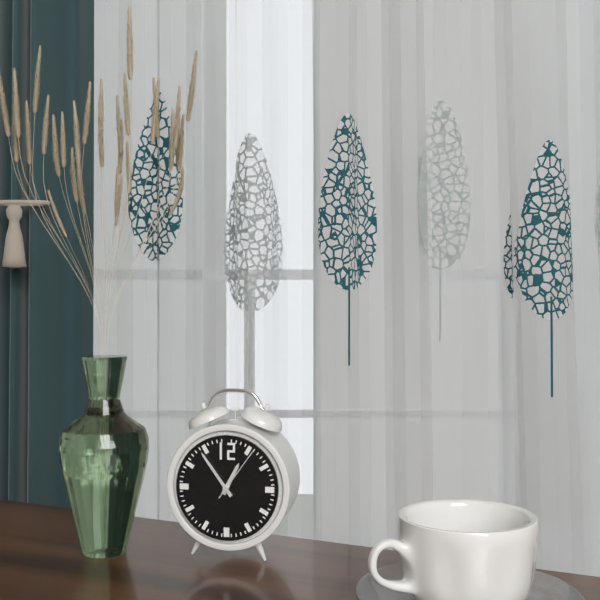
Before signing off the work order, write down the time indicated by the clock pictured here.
12:54:06
